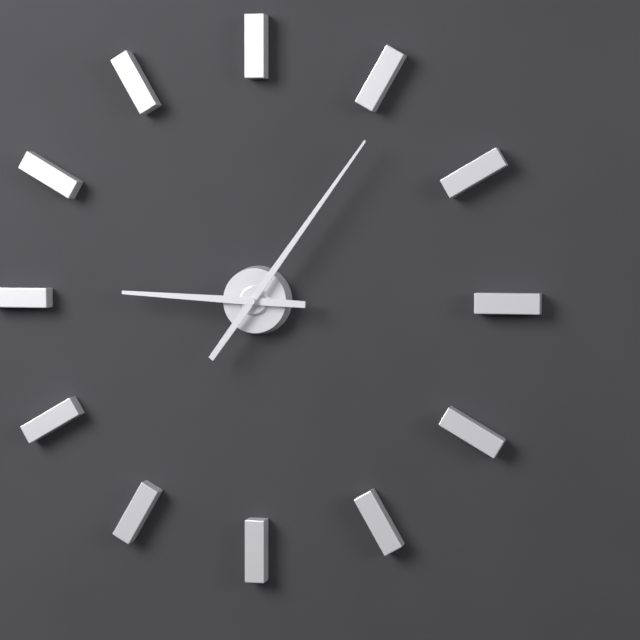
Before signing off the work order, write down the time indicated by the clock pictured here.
9:06
